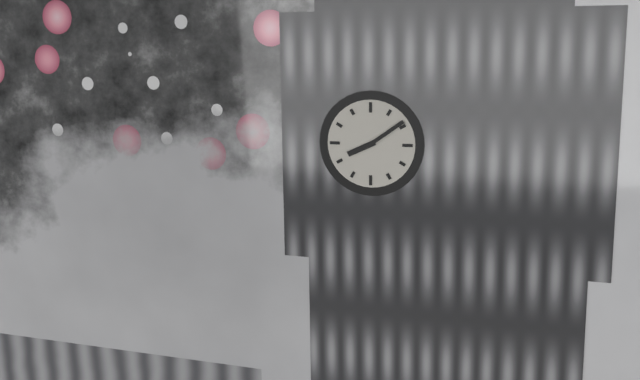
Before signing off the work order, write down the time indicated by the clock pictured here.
8:09
